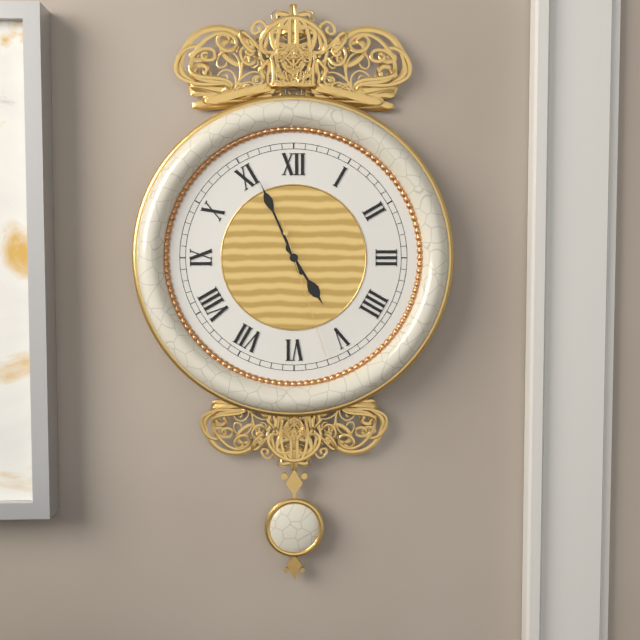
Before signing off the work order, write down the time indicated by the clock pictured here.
4:56:27
